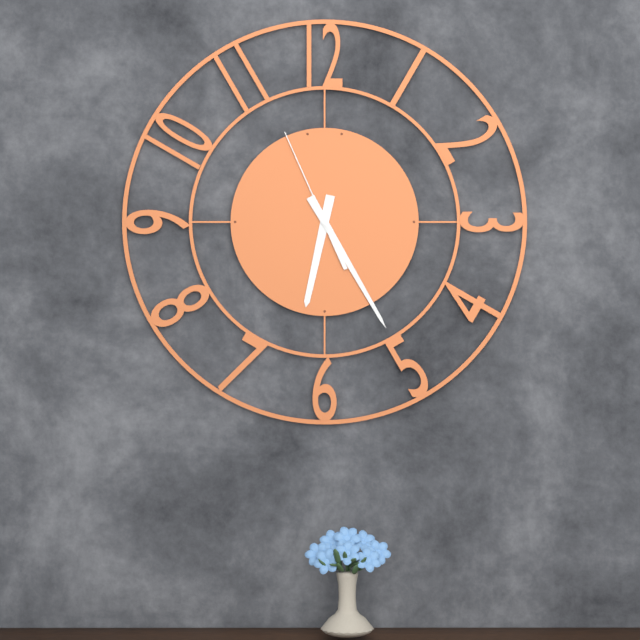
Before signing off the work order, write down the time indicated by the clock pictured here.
6:25:56
